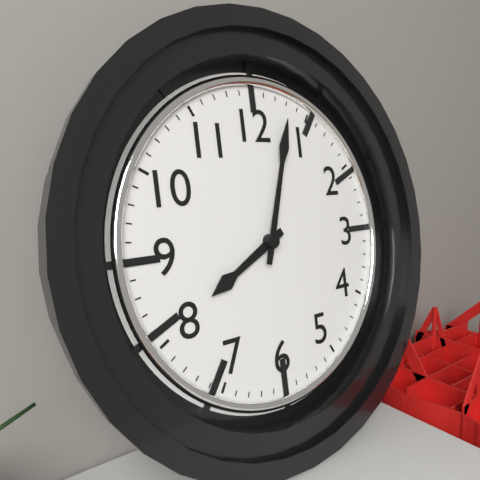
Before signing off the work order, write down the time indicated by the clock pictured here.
8:03
